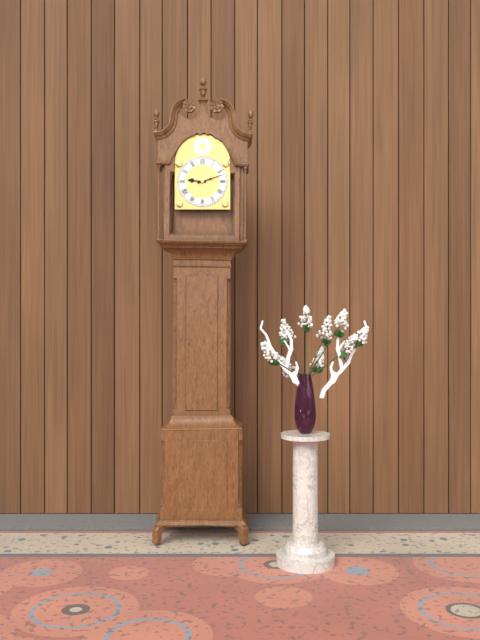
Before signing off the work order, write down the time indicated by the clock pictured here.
9:12
